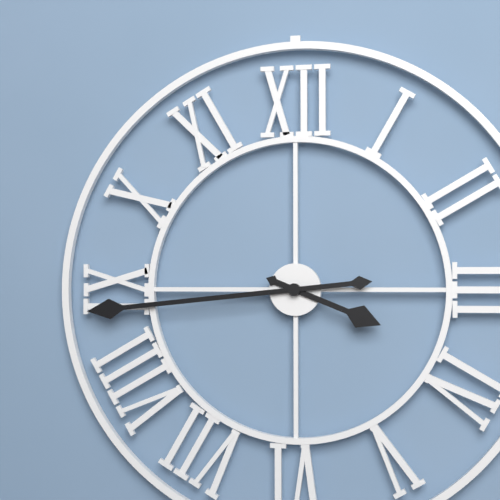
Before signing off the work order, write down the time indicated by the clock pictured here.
3:44
